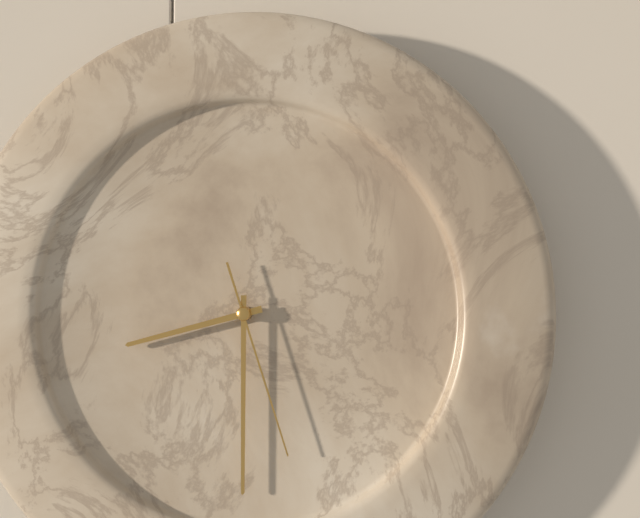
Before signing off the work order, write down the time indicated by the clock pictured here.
8:30:27
